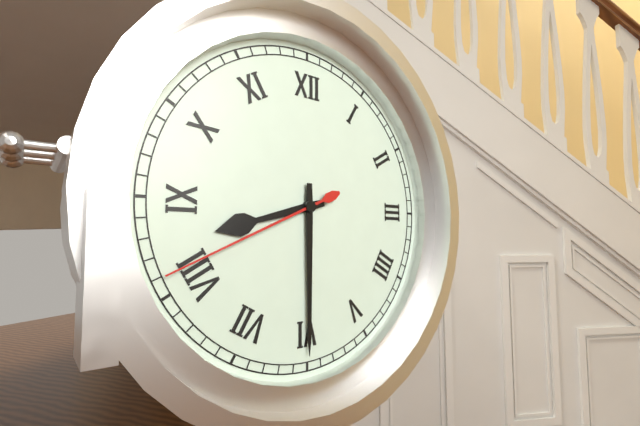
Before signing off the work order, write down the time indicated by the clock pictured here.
8:30:41
